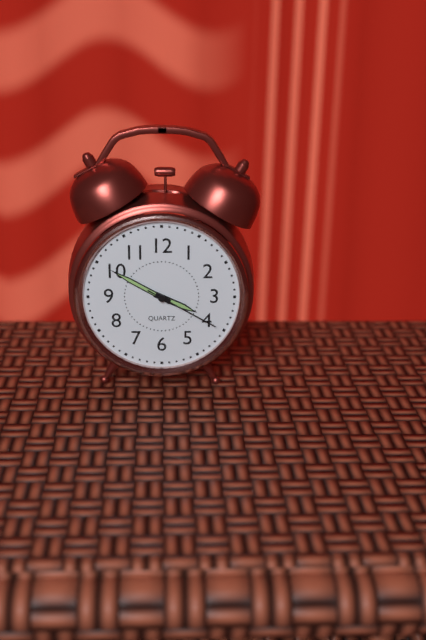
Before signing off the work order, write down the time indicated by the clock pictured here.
3:50:20
